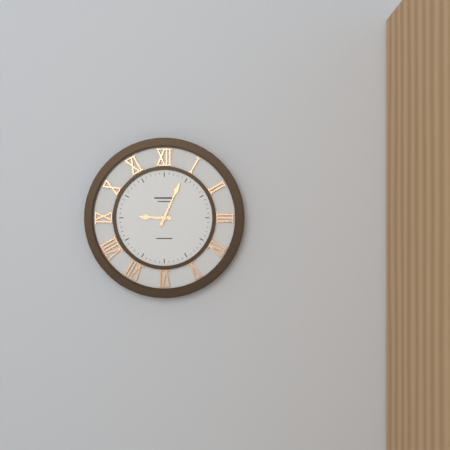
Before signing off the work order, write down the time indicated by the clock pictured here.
9:04
